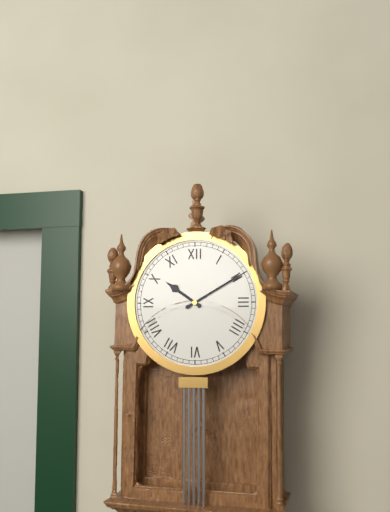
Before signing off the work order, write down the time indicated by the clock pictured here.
10:10
